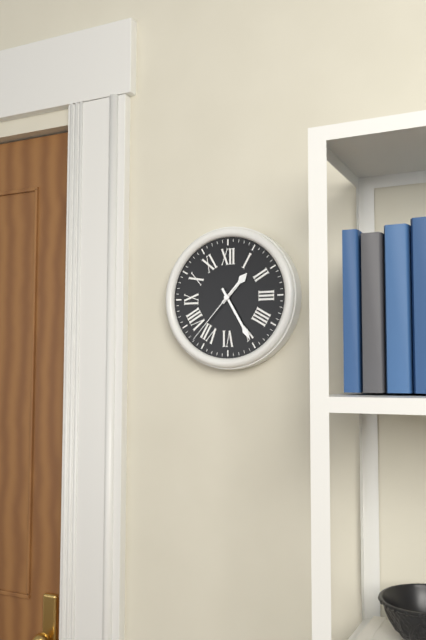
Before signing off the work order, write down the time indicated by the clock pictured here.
1:25:37
